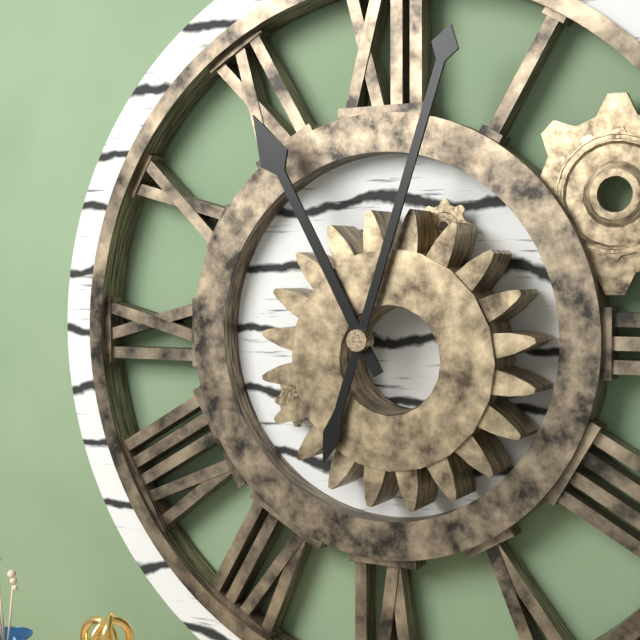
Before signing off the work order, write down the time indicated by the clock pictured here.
11:03
